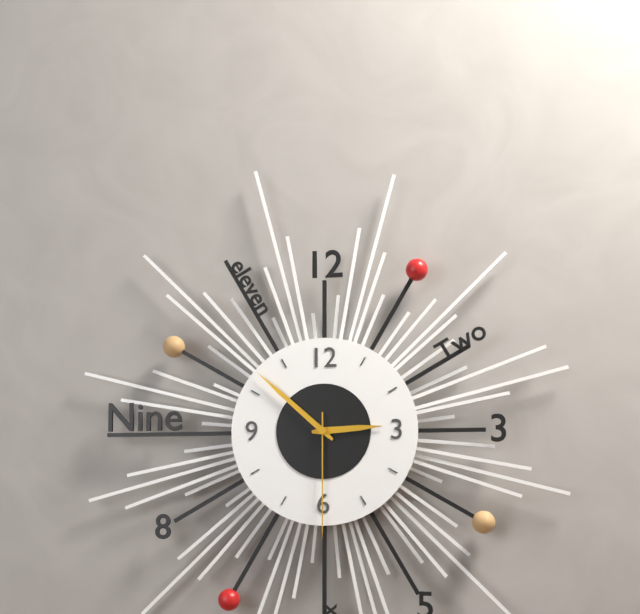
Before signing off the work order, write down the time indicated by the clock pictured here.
2:52:30
